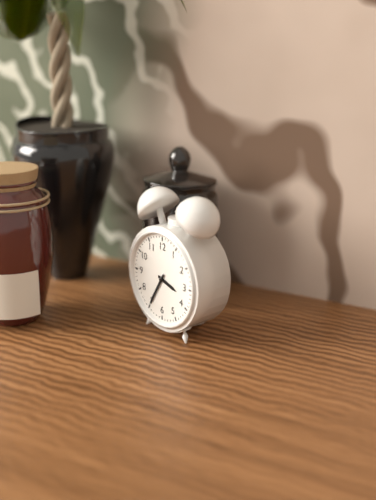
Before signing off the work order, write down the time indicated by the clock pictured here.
3:35
